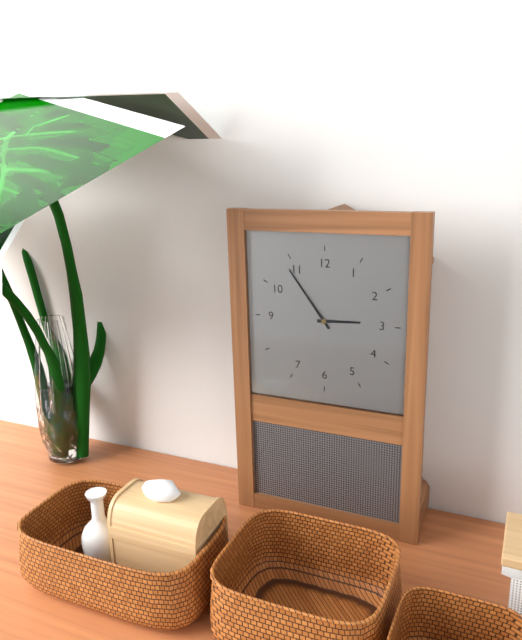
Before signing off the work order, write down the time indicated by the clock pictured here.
2:54
